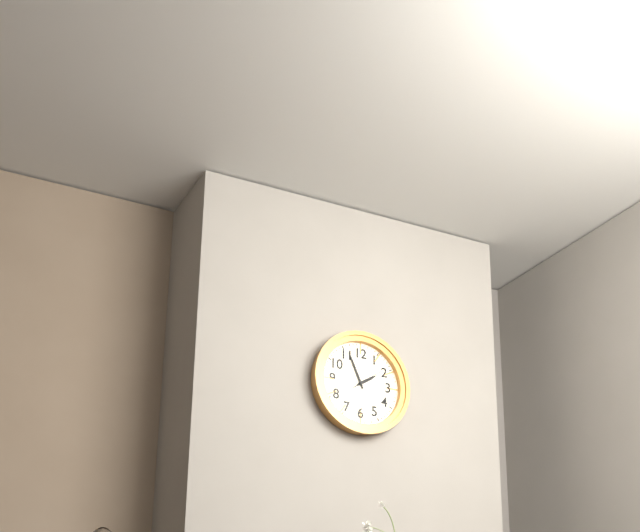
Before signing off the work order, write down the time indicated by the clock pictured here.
1:56
